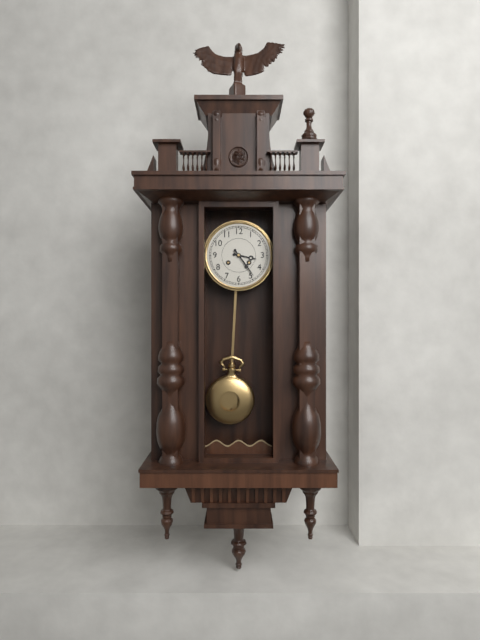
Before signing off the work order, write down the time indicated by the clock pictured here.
3:24
